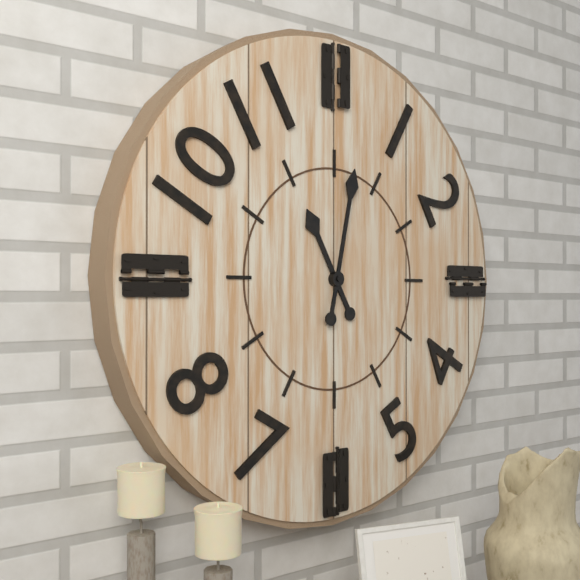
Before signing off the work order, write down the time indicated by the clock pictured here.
11:02
